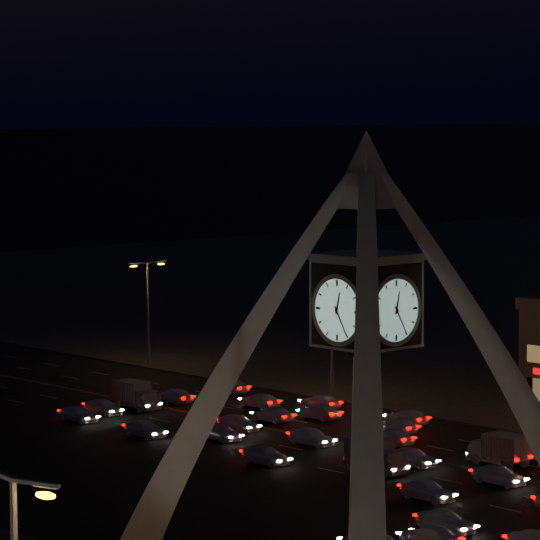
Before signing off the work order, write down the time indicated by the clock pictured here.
12:25
